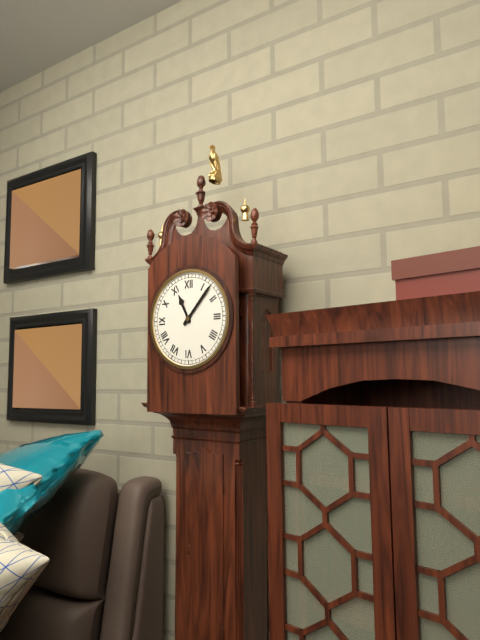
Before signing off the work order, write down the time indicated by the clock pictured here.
11:07
